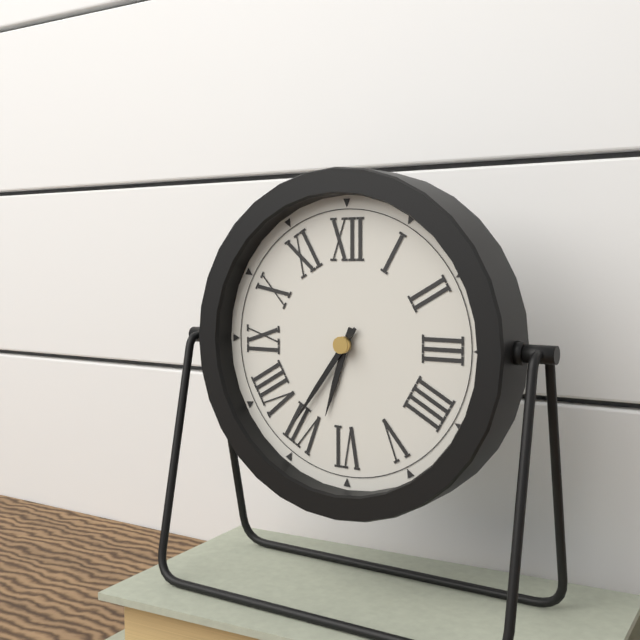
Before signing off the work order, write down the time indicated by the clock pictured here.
6:36
